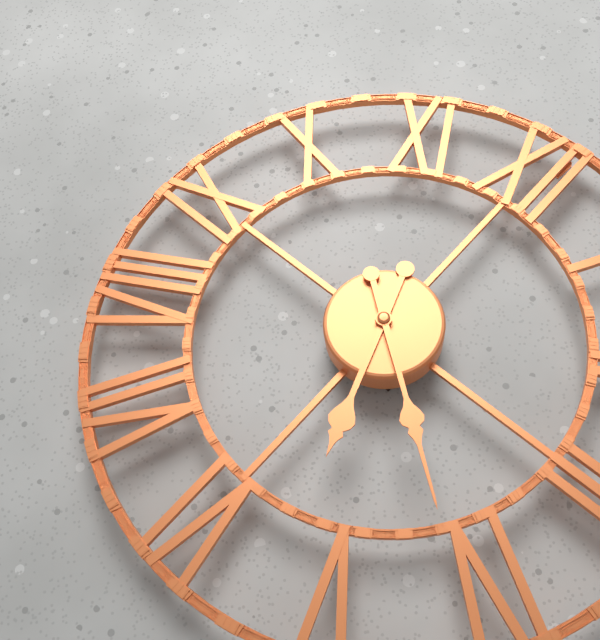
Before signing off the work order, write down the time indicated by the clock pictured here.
5:21
